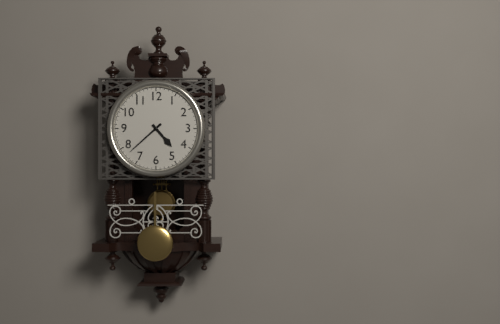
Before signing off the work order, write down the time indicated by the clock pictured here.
4:38
